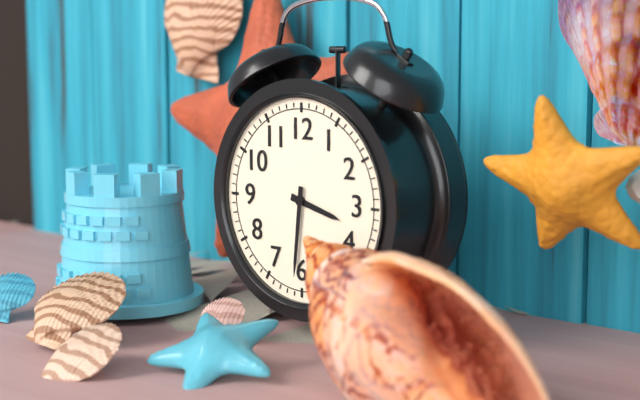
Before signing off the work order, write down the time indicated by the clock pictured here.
3:31
